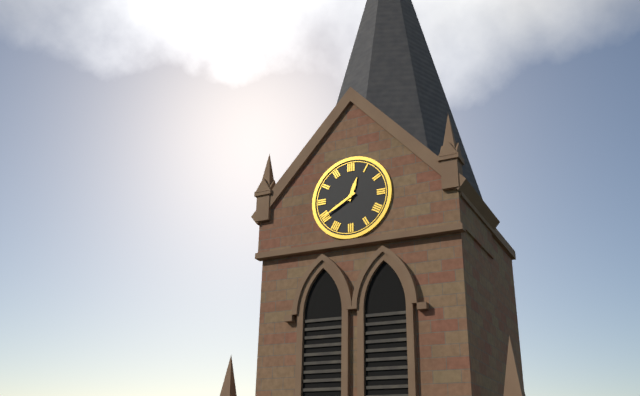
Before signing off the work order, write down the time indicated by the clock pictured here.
12:40
